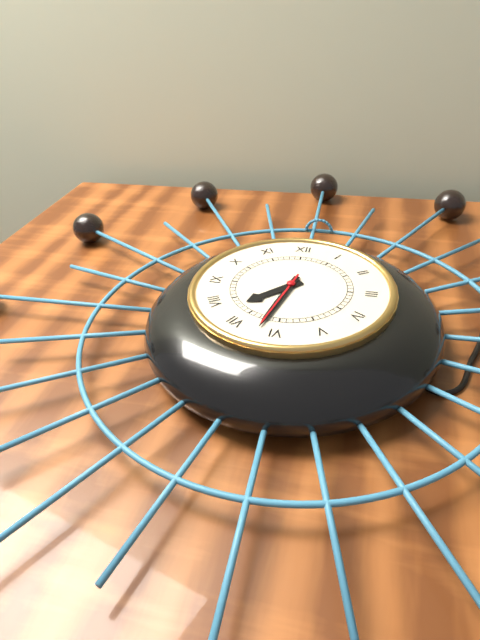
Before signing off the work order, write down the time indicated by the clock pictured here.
7:32:32
